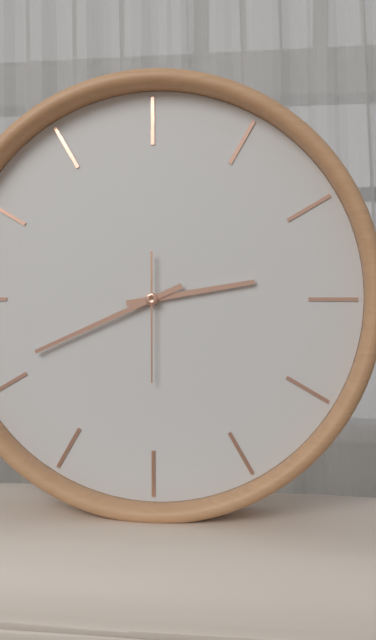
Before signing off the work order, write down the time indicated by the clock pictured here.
2:41:30
